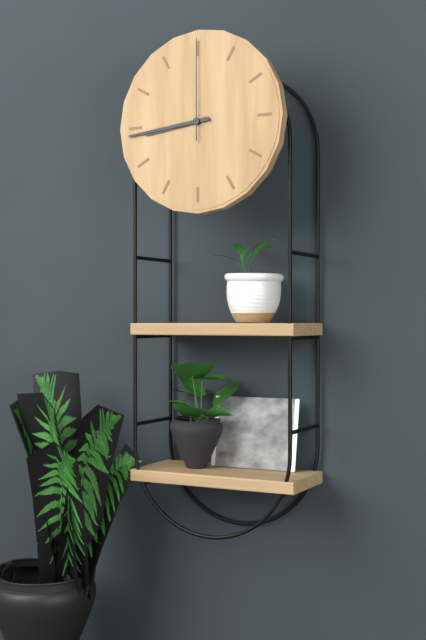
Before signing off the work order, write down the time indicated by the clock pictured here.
8:44:00
